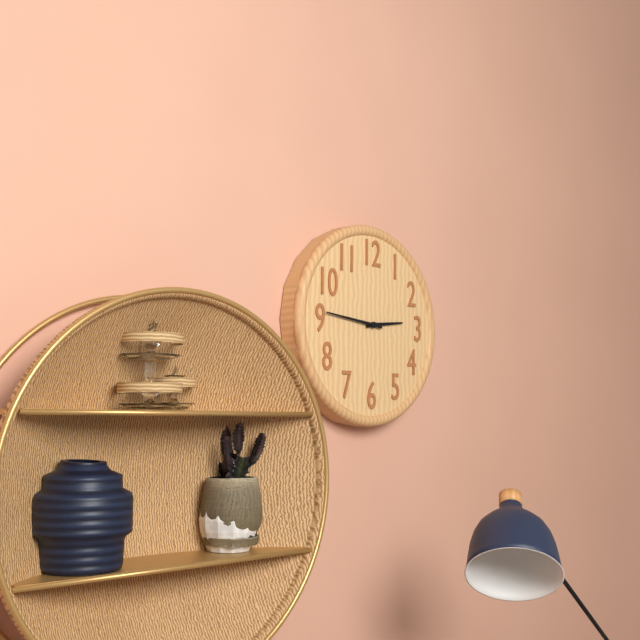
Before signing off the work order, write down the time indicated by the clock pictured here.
2:46
